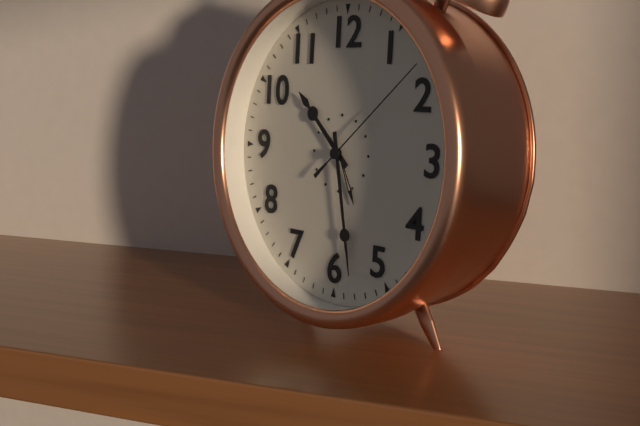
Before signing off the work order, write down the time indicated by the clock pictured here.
10:28:08
